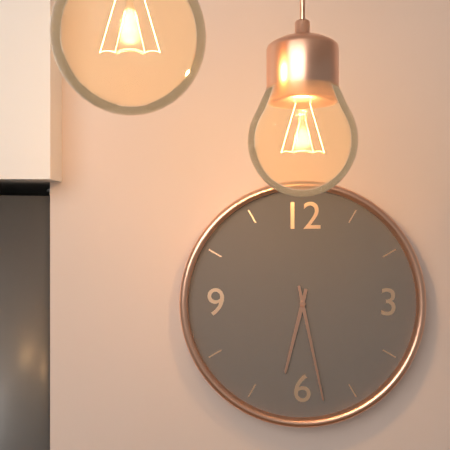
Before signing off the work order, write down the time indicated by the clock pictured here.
6:28
